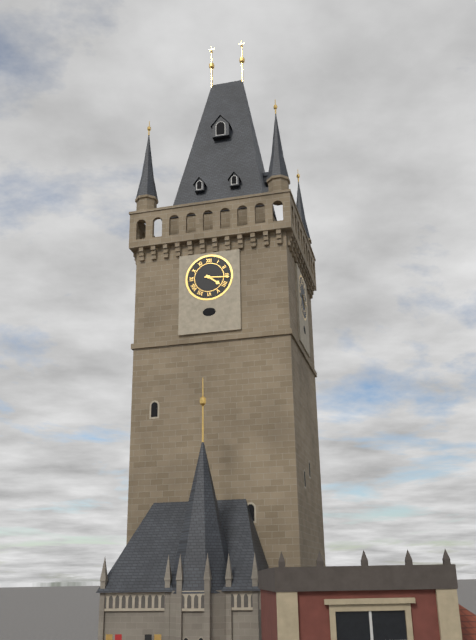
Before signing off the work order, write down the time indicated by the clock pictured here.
4:16
